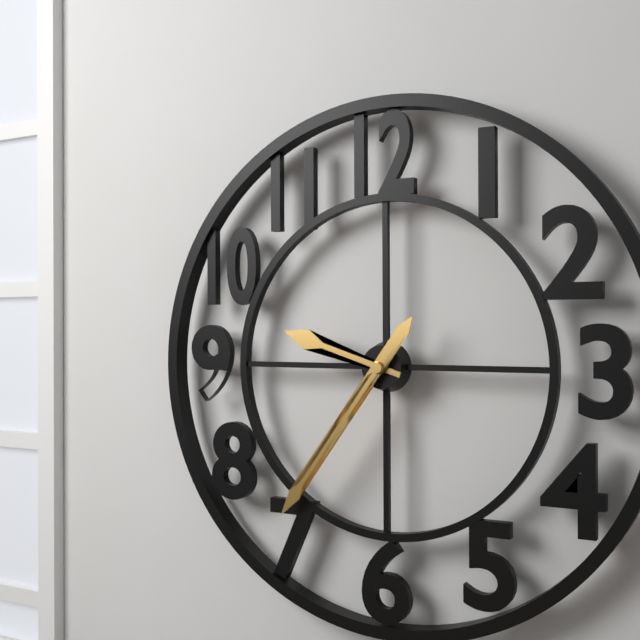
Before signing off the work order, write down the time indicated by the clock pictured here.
9:36
